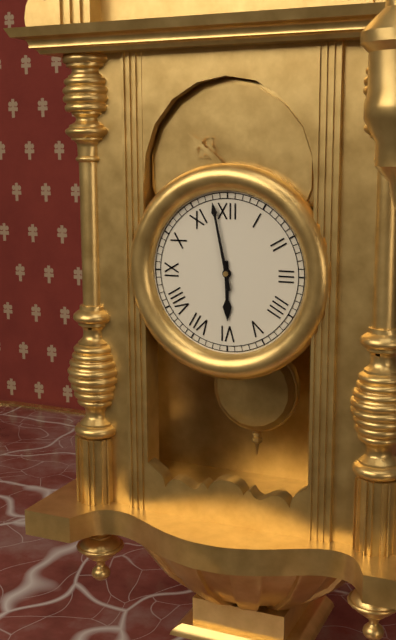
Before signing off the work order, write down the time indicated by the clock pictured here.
5:58
